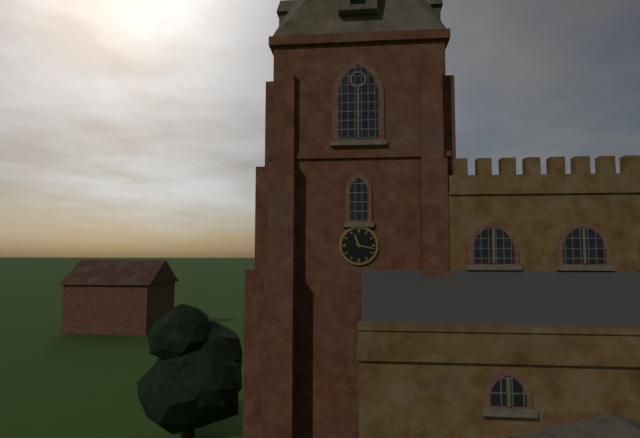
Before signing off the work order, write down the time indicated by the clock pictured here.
11:17
